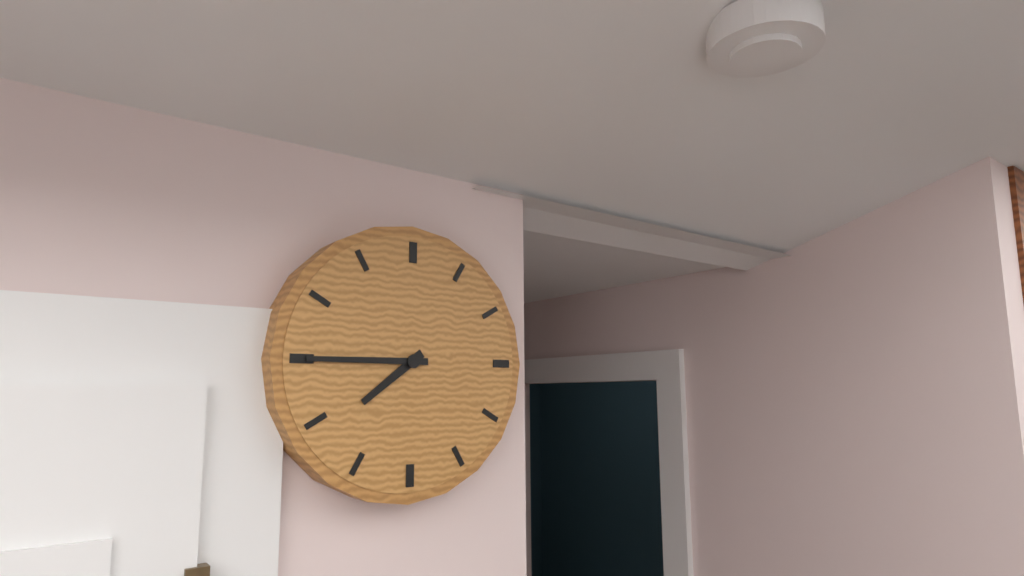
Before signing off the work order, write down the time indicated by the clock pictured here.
7:45
